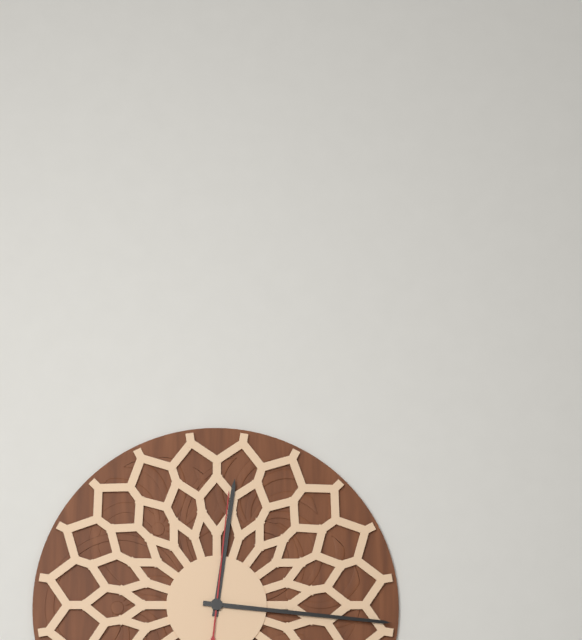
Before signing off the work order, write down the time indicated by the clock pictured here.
12:16:01
